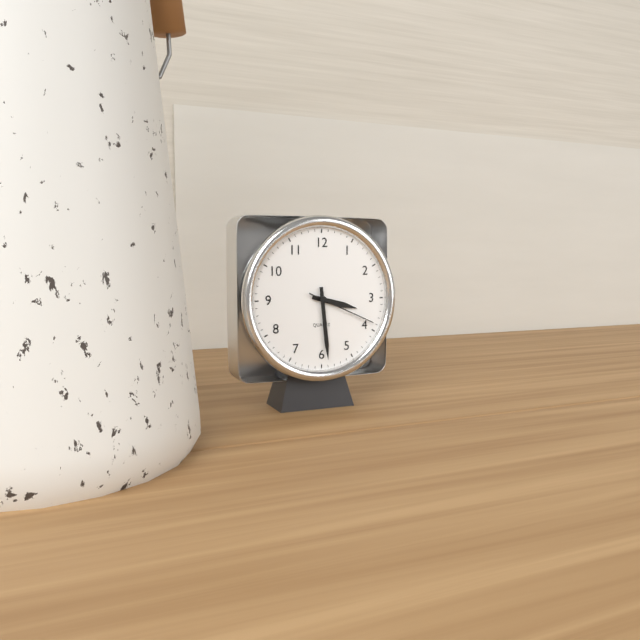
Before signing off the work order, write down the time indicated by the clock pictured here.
3:29:19
